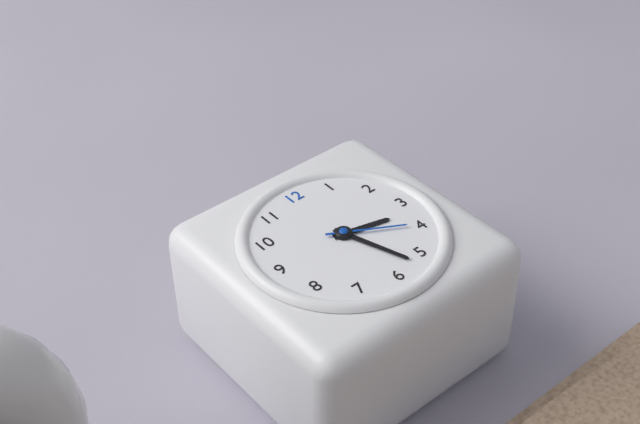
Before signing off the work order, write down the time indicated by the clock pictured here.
3:27:20
